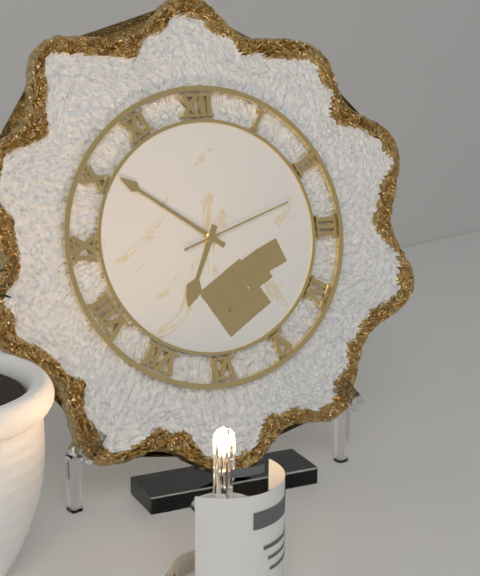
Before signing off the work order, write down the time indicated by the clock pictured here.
6:51:12
